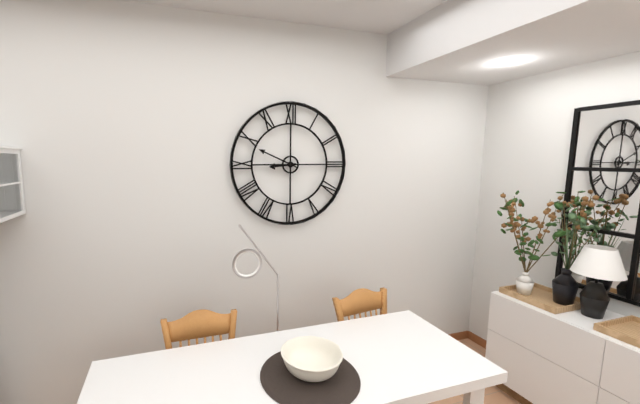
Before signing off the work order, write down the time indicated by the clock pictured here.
8:49
